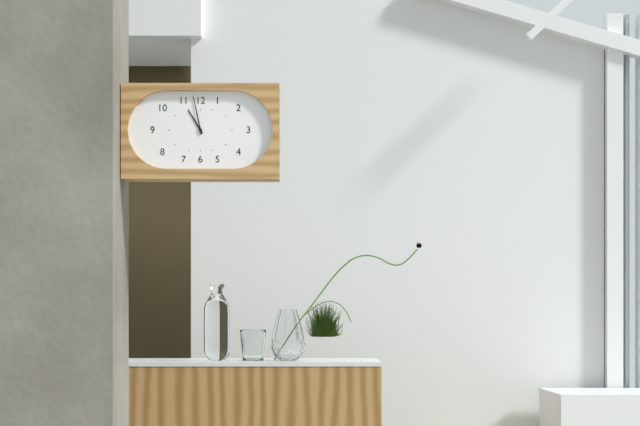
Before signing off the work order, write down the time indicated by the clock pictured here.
10:58
